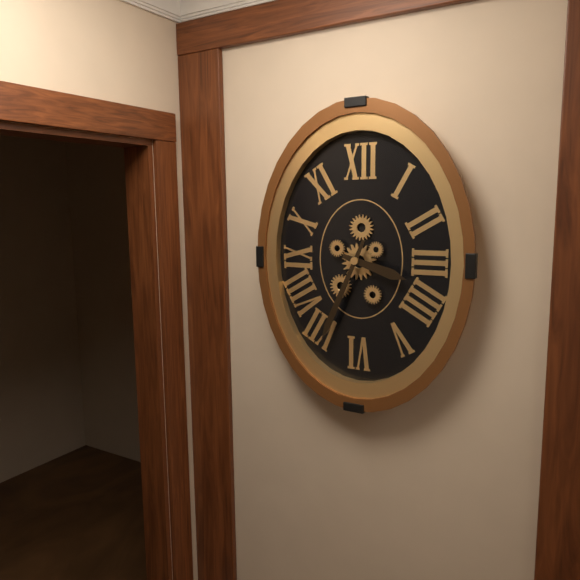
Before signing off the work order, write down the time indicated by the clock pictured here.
3:34
